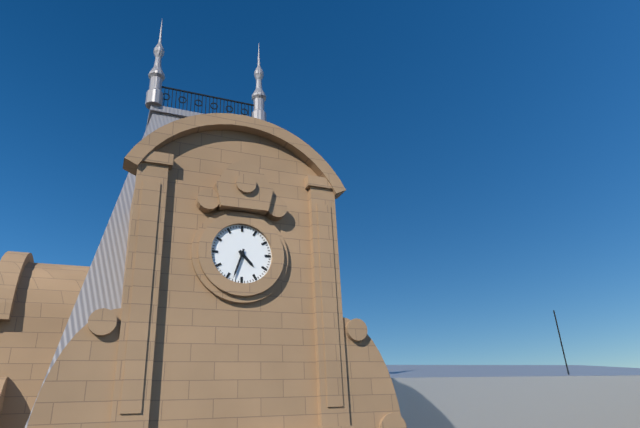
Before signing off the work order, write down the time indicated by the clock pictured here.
4:33
